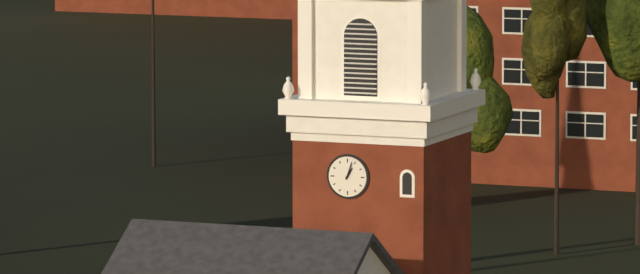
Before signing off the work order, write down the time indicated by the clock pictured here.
1:03
